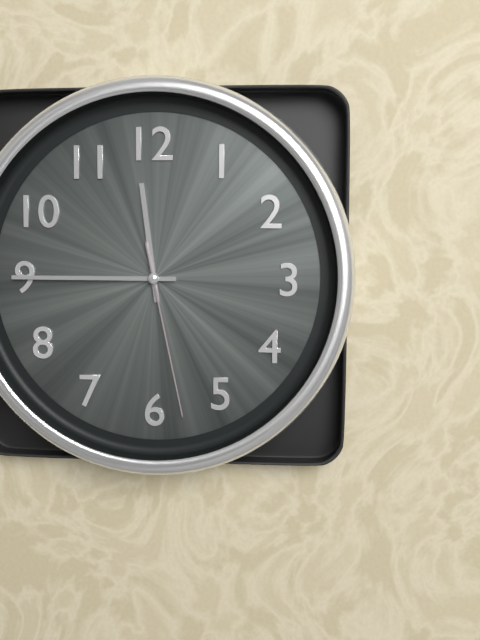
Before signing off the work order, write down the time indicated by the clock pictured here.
11:45:28
